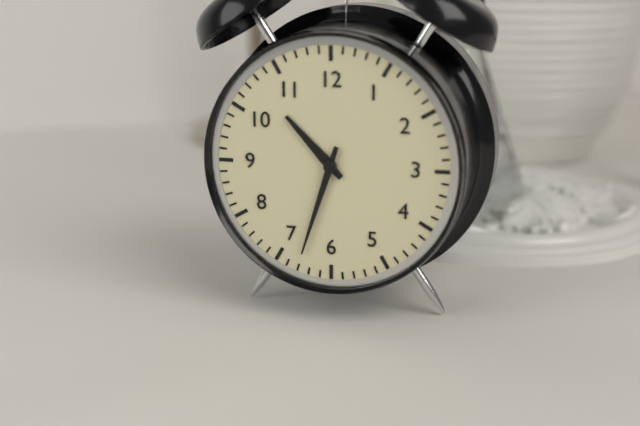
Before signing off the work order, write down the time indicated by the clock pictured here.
10:33
